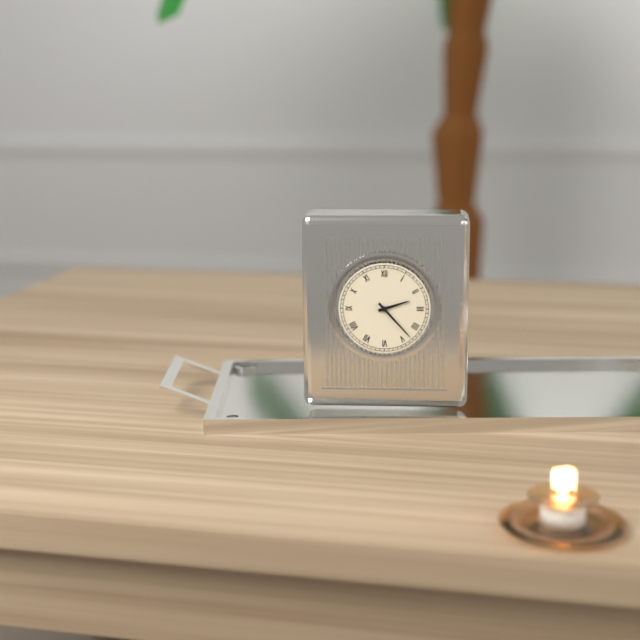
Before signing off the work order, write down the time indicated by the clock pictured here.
2:23
